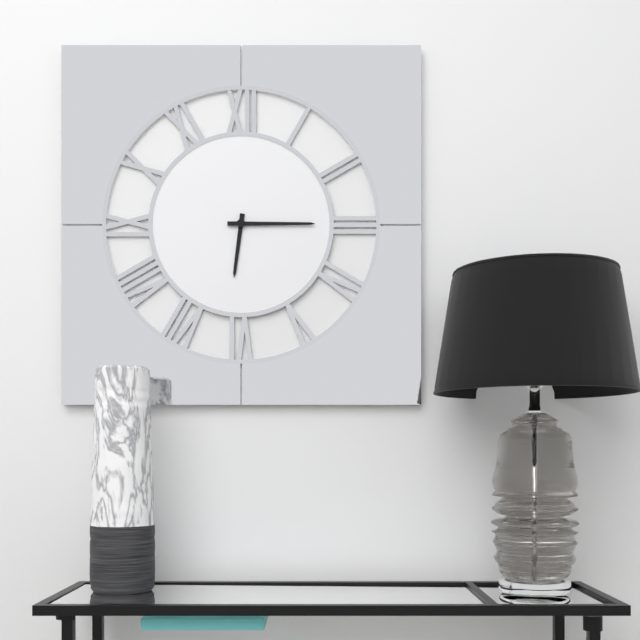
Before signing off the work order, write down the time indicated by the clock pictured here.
6:15
